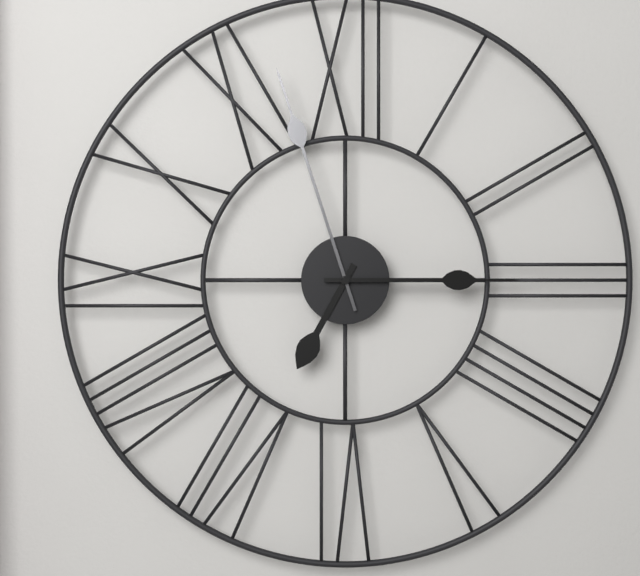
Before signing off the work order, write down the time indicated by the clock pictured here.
6:57:15
